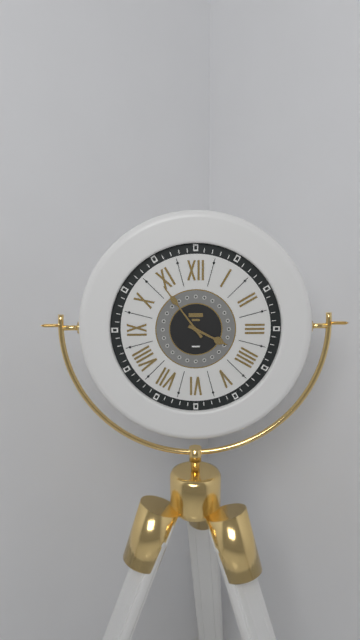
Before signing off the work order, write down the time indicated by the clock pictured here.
3:54
